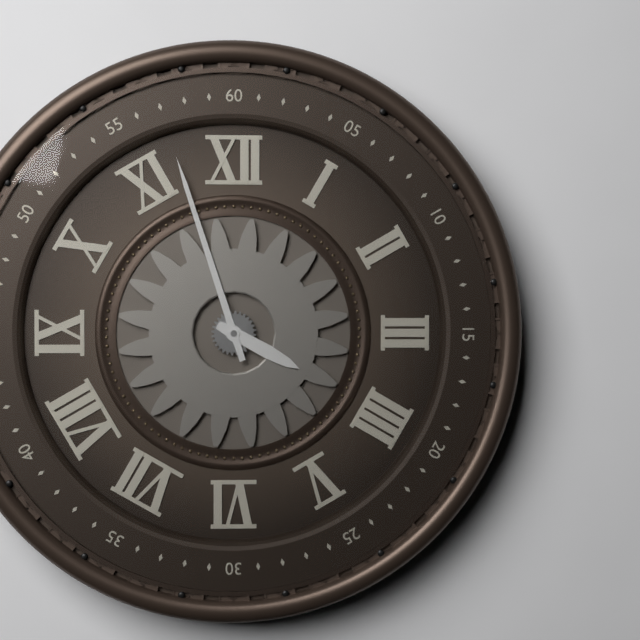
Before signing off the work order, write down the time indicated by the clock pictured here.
3:57
